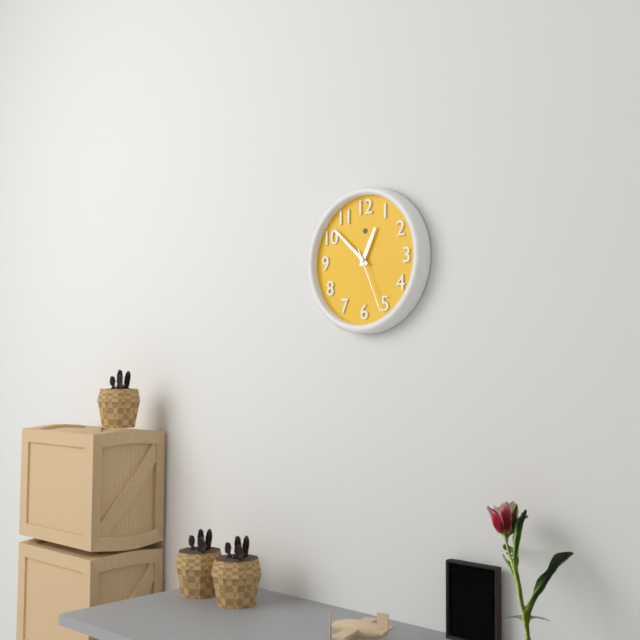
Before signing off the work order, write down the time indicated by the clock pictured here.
12:52:26
